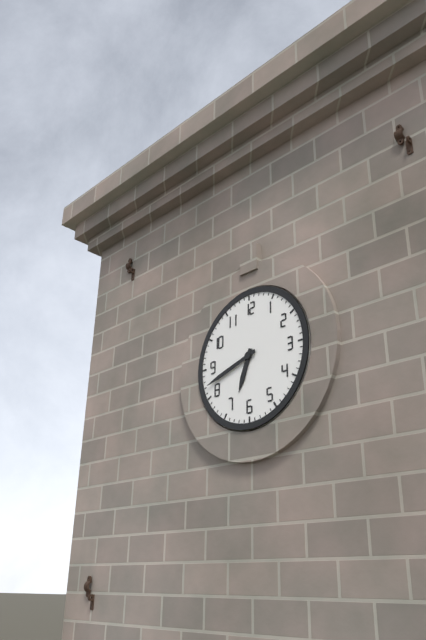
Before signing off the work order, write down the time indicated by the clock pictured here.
6:42
